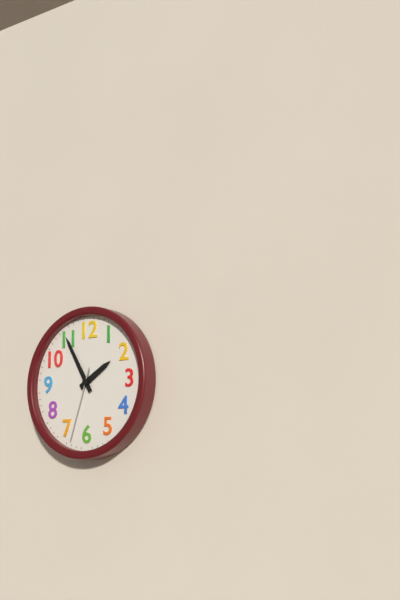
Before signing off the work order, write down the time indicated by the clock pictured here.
1:55:33
